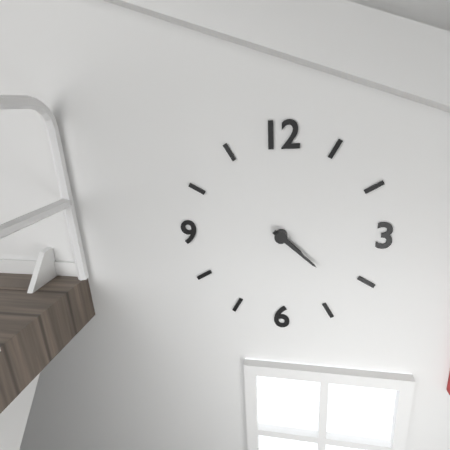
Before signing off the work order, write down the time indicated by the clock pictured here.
4:22
